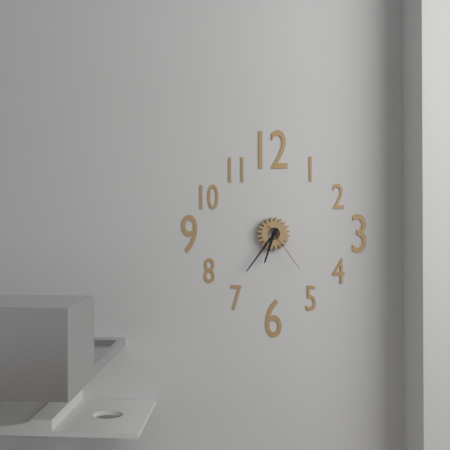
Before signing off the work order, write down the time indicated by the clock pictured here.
6:36:24
